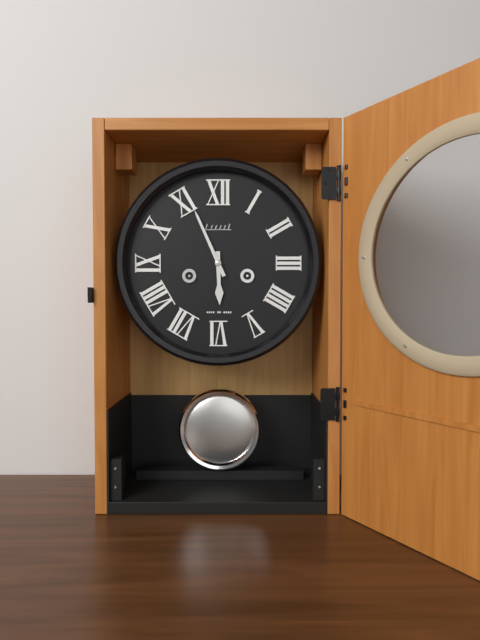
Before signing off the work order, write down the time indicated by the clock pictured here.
5:56
